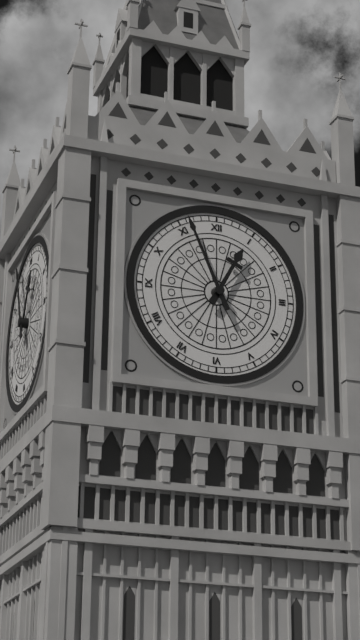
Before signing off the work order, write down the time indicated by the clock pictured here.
12:56
